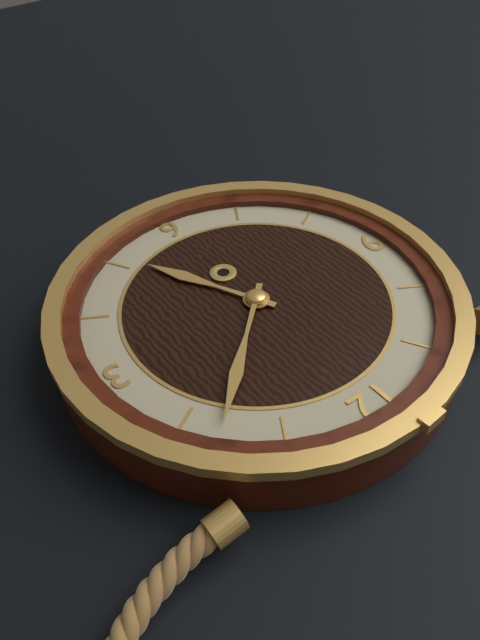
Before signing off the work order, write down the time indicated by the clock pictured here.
5:08
